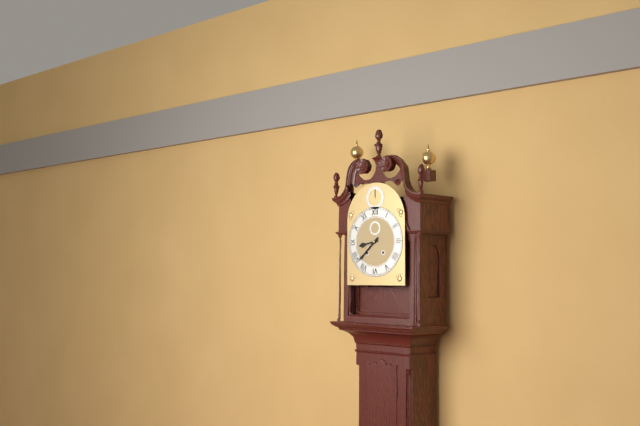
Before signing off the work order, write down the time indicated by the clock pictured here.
8:38
